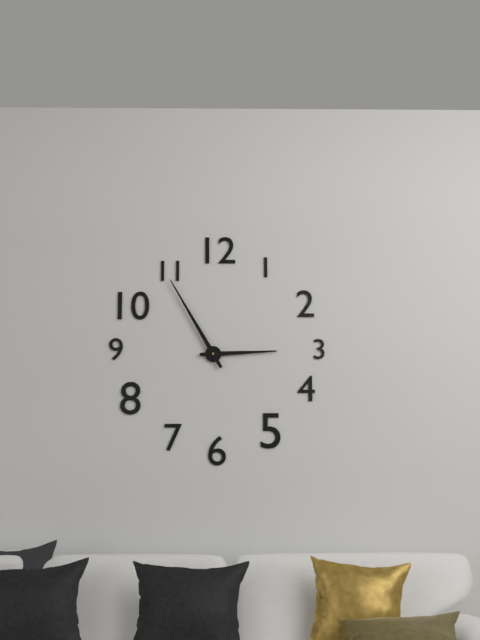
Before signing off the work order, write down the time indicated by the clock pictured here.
2:55
